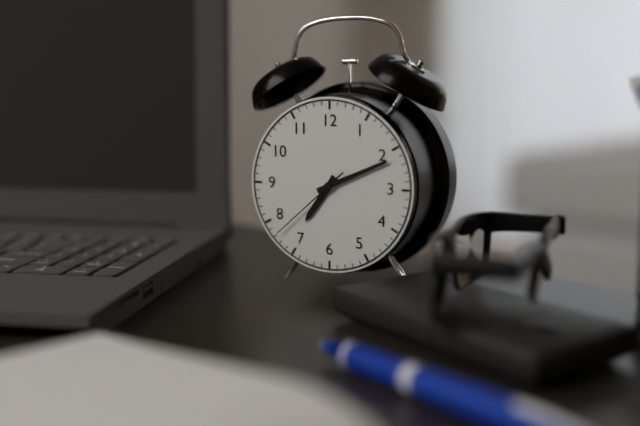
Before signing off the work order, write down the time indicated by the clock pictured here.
7:11:38
